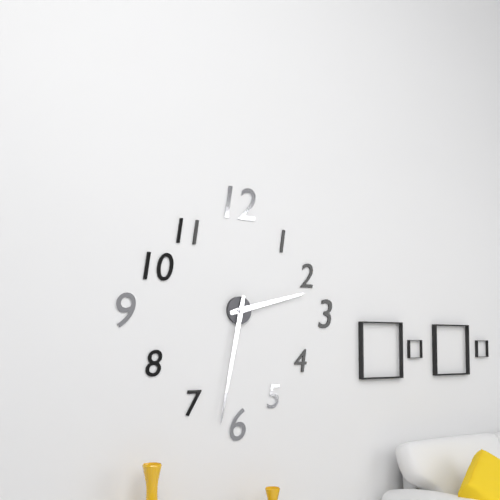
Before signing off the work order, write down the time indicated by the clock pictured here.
2:32
